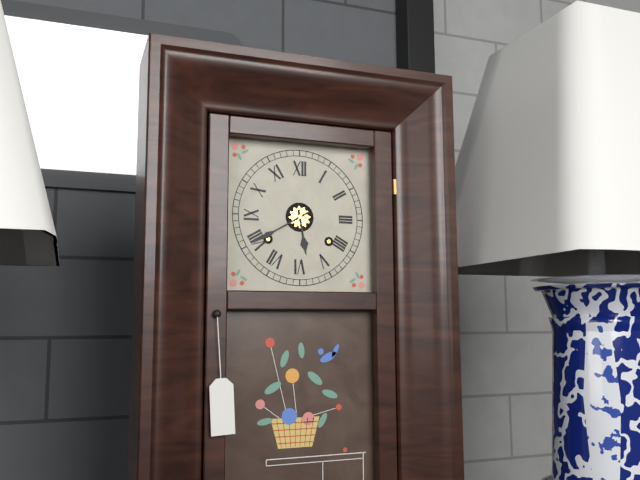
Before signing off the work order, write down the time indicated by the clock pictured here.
5:40
